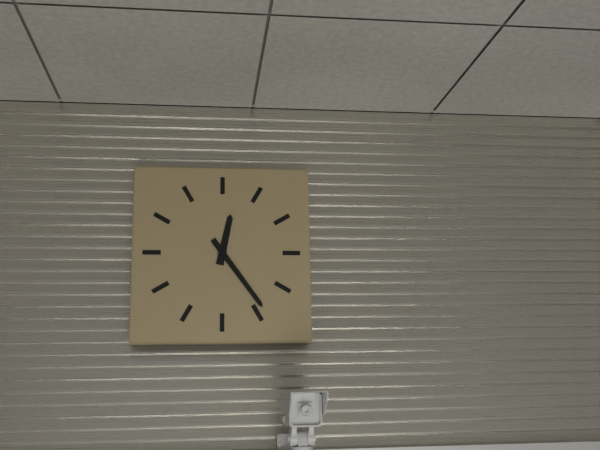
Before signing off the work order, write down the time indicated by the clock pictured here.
12:24
